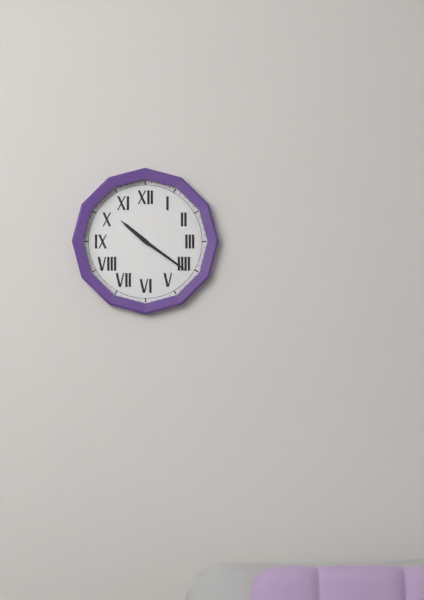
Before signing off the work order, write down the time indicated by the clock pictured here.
10:21
